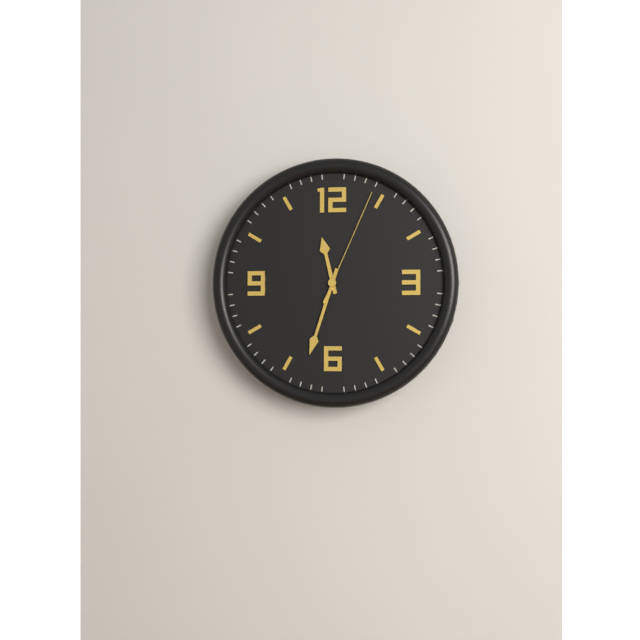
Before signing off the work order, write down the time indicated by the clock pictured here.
11:33:04
